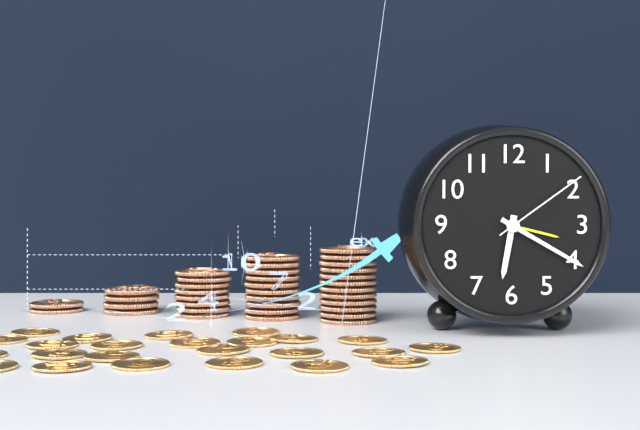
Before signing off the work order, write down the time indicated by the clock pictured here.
6:20:09
